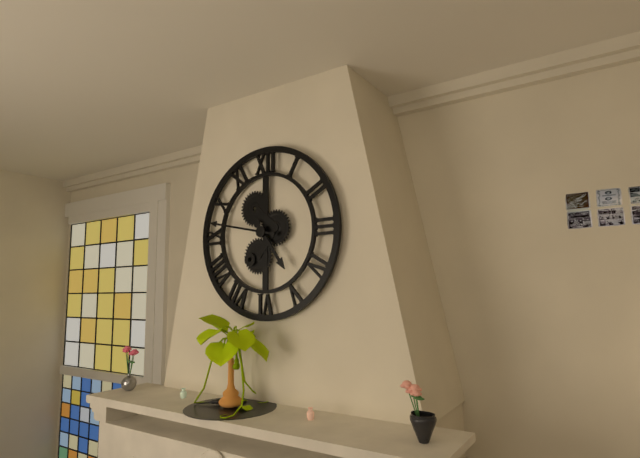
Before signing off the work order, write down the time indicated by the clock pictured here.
4:47
